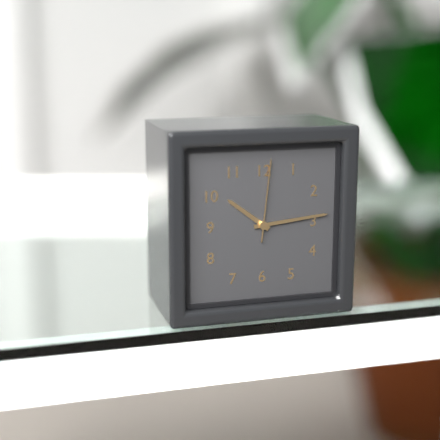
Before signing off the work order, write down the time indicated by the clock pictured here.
10:14:01
